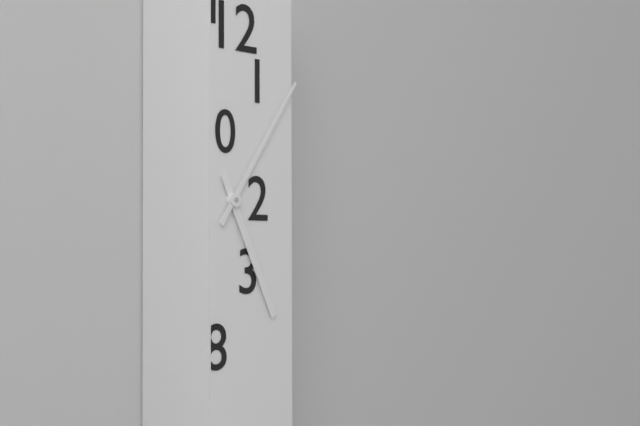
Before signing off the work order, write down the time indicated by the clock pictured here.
5:06
